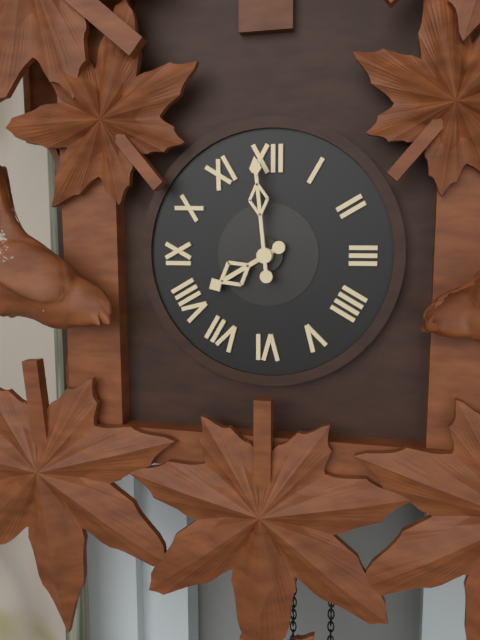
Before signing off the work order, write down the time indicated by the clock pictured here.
7:59
